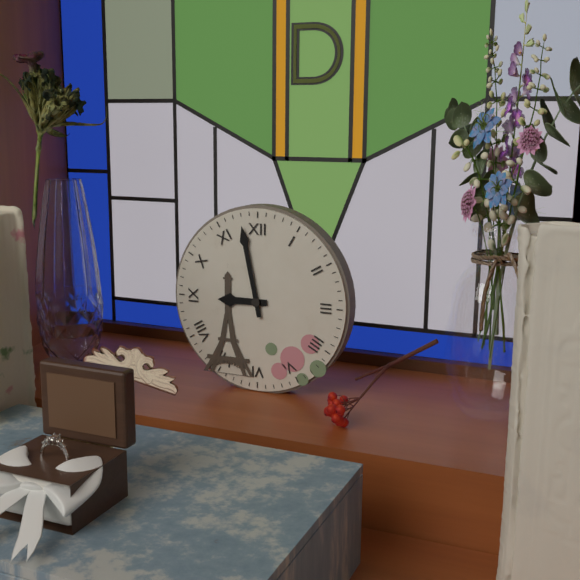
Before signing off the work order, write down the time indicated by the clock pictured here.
8:58
